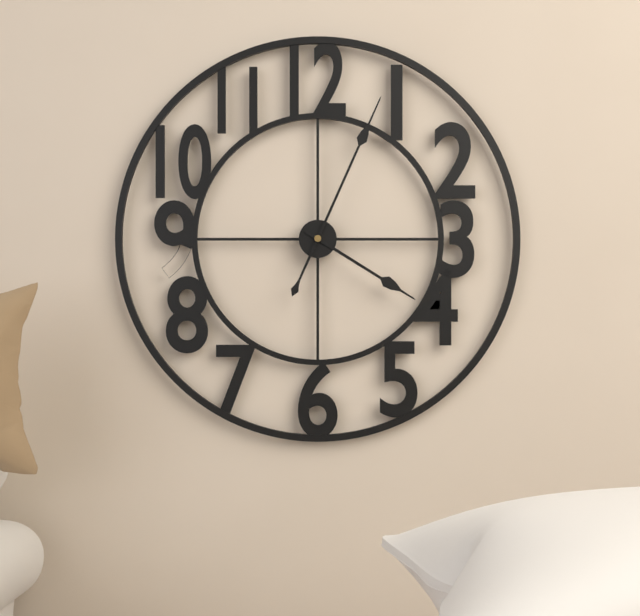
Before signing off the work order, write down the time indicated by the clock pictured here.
4:04
